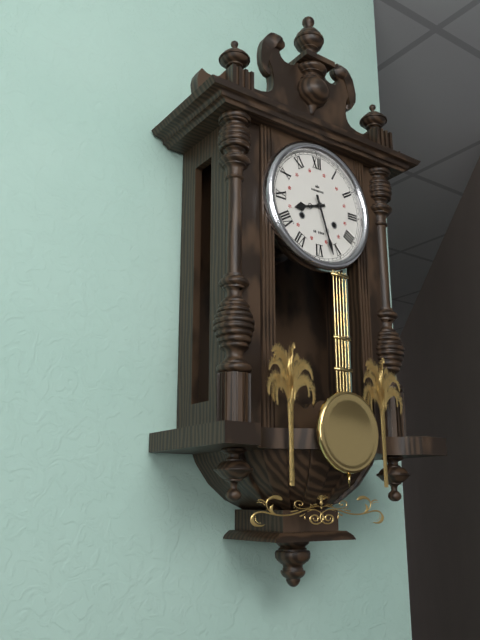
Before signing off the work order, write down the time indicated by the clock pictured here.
8:27
